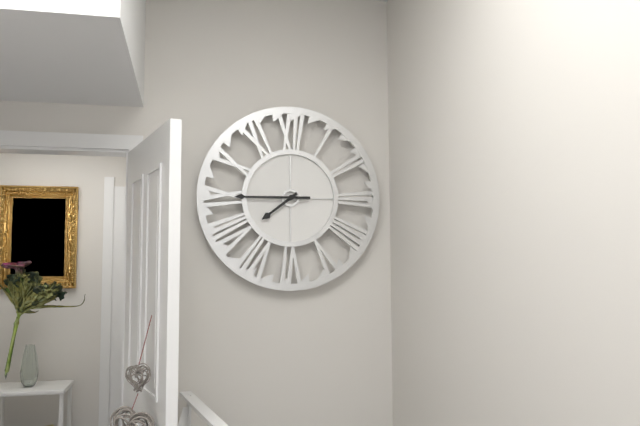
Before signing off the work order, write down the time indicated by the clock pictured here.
7:45
